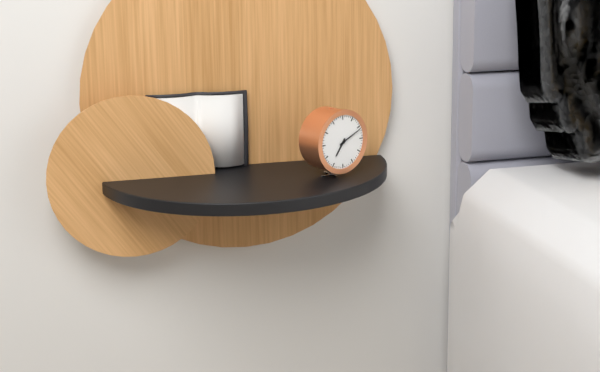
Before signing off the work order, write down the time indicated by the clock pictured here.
7:11
